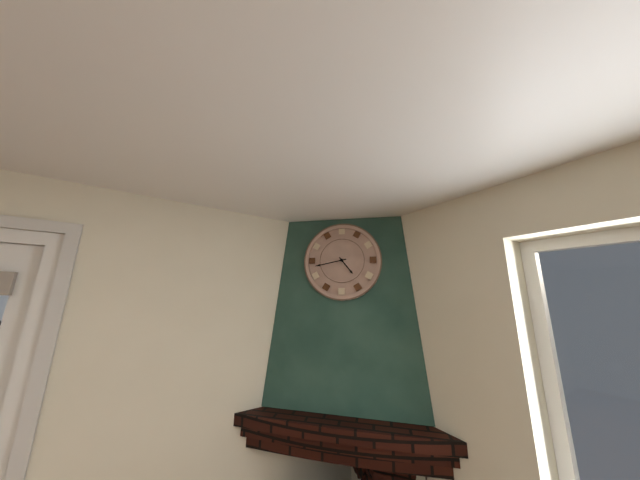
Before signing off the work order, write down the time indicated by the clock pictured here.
4:43
